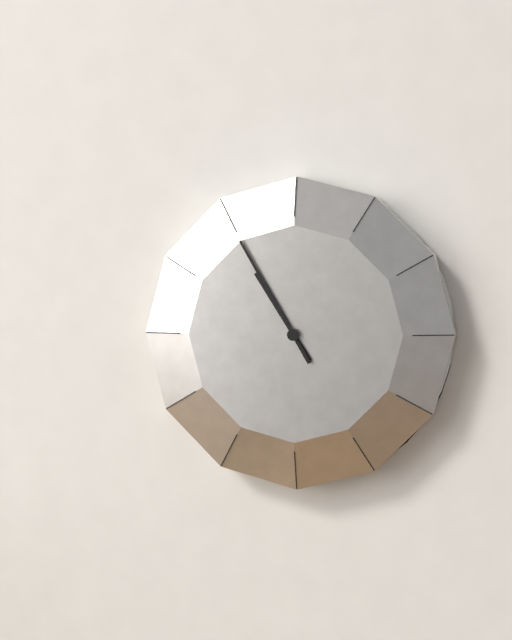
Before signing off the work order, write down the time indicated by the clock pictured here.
10:55
